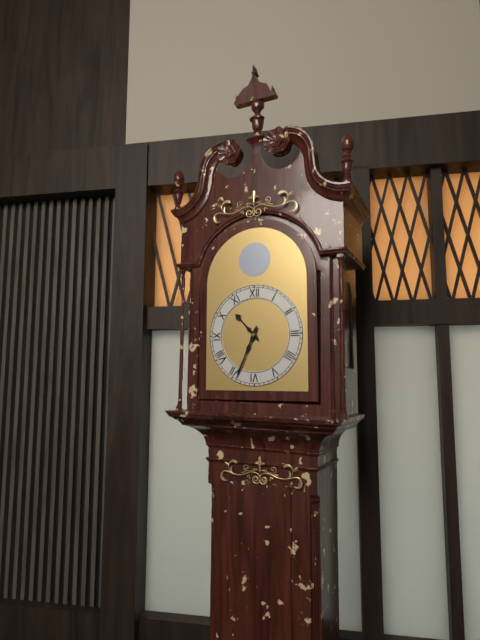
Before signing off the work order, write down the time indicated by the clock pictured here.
10:34
